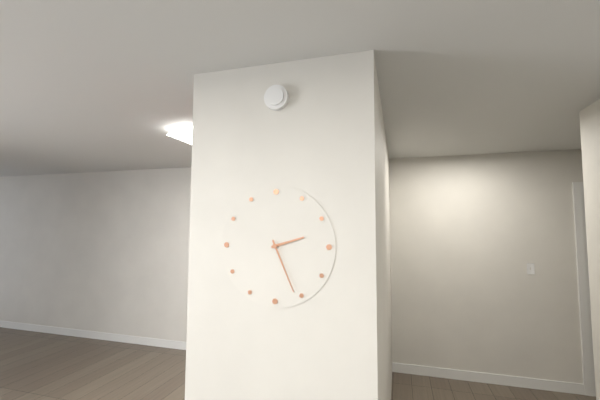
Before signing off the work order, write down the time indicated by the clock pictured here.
2:26
